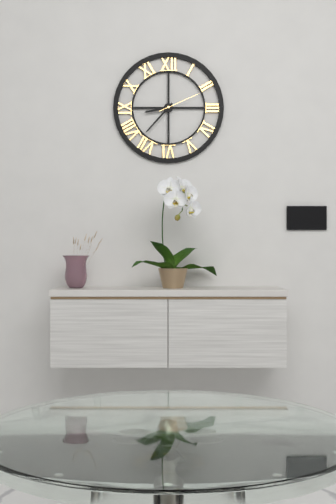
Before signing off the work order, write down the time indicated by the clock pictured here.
8:37
